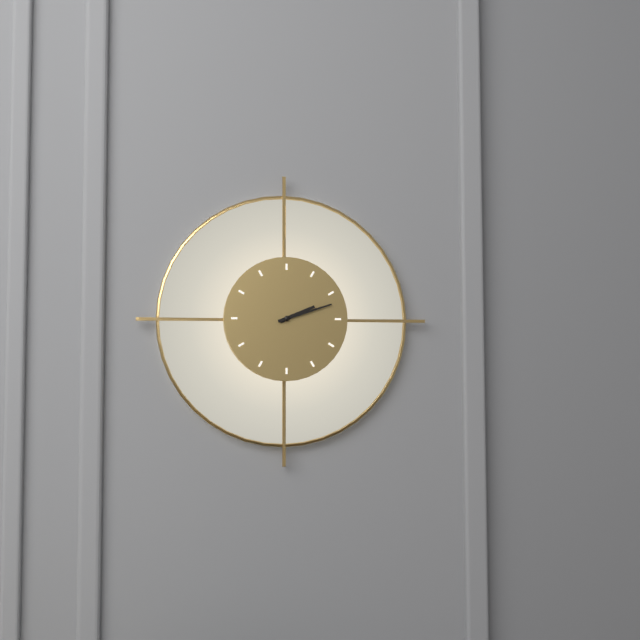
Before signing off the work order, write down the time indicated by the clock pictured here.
2:12
